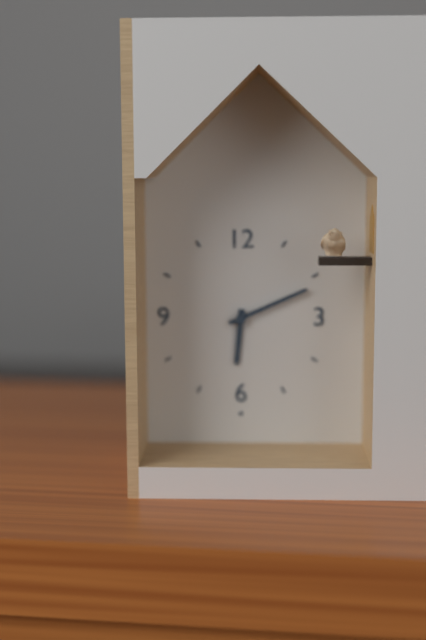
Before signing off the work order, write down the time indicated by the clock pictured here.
6:11
